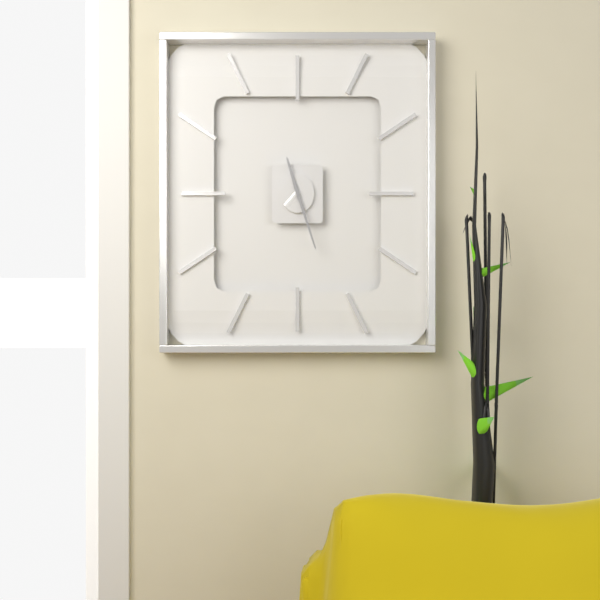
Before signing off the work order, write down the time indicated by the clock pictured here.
11:27
